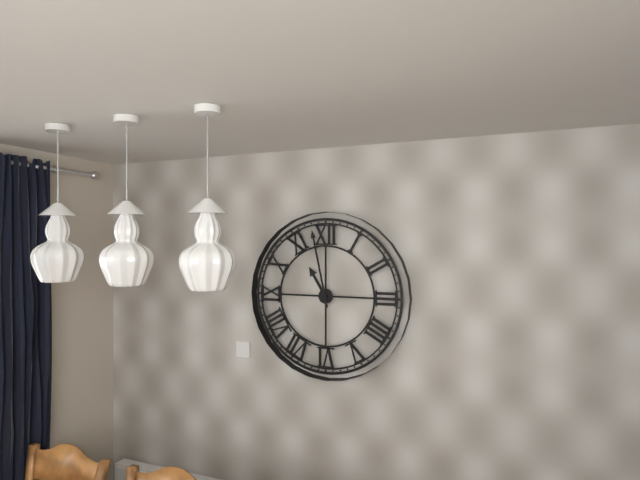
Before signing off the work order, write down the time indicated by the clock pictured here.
10:58
